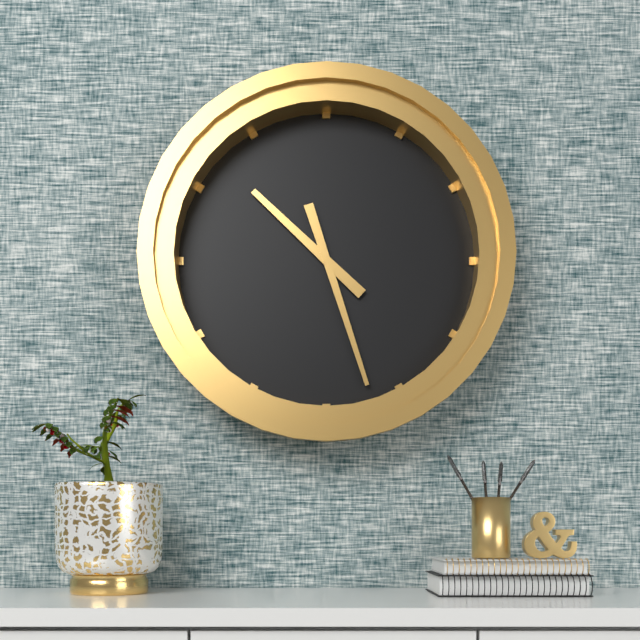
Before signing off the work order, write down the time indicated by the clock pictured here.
10:27
